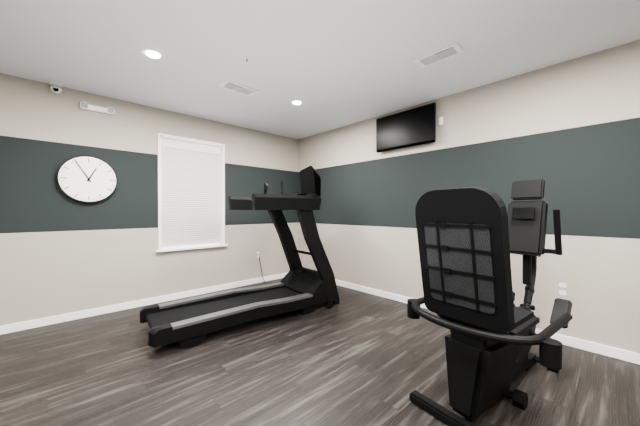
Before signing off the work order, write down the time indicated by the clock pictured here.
12:55
